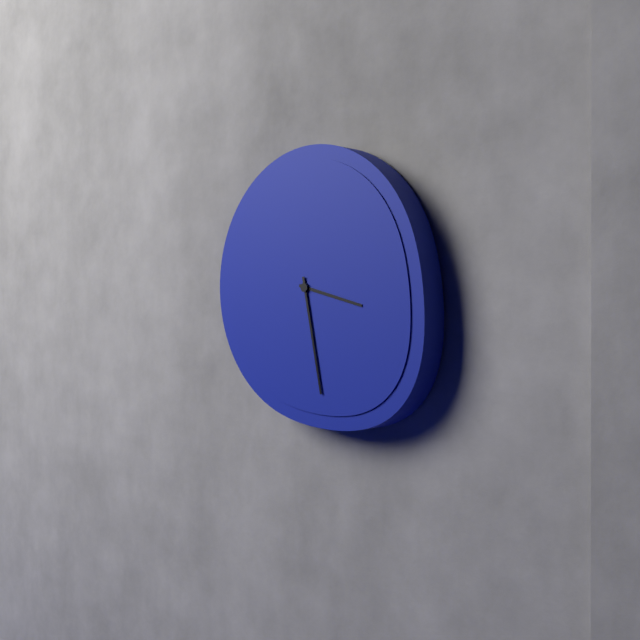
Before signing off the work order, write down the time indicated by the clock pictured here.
3:28
